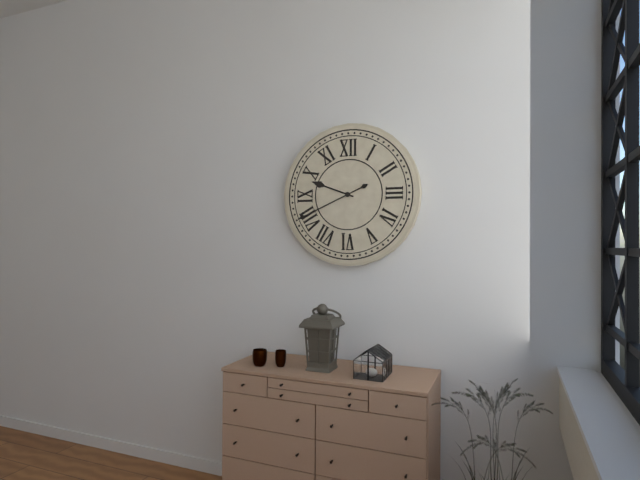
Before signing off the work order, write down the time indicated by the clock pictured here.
9:41
